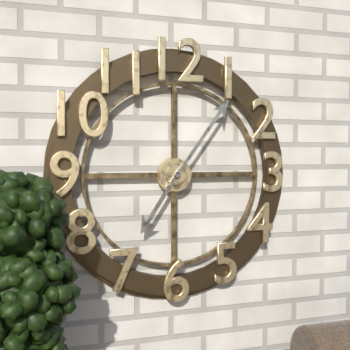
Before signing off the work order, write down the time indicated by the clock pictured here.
7:06
